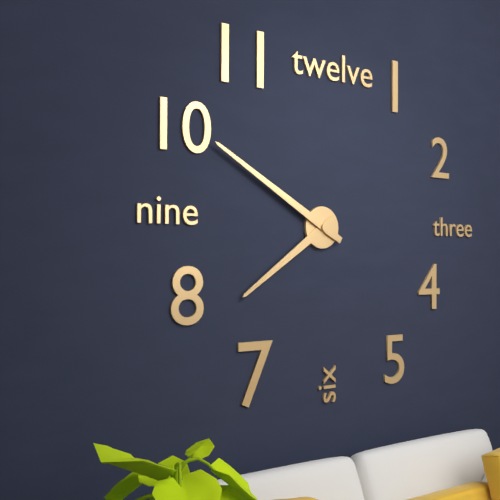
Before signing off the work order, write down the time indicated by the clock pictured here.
7:50
